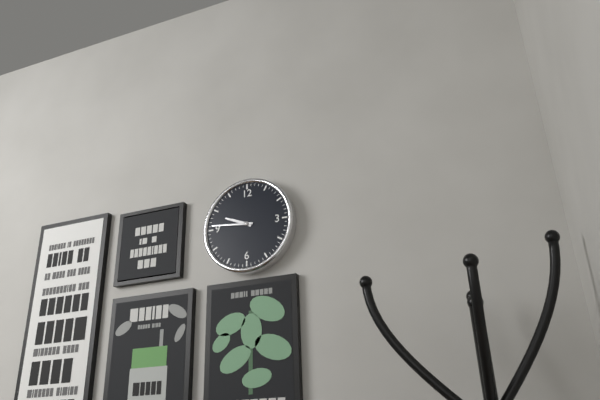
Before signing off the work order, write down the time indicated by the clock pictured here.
9:46
